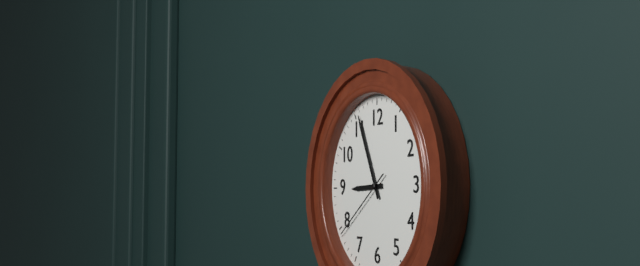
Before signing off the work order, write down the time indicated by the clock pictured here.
8:56:39
